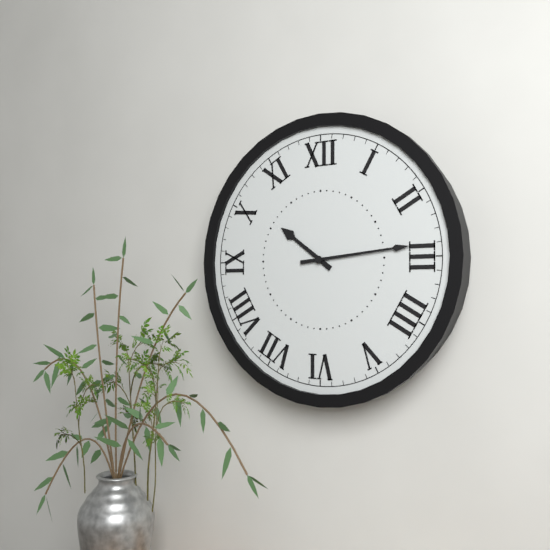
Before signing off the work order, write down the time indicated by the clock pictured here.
10:14
